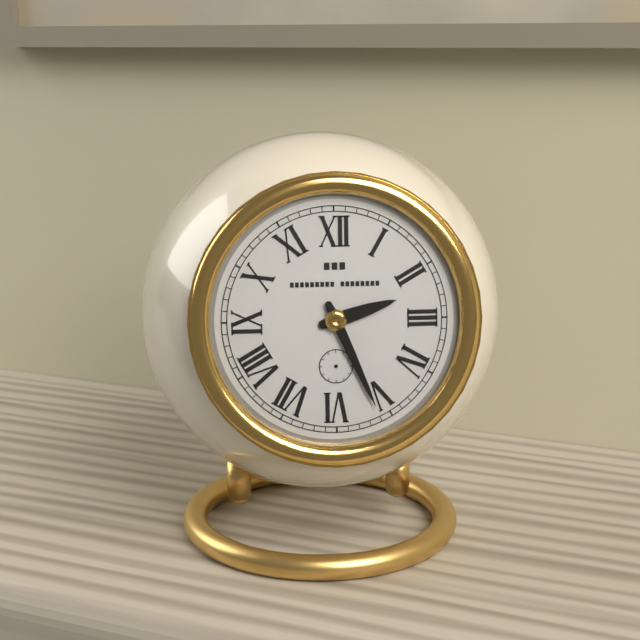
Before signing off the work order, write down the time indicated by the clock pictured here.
2:26
